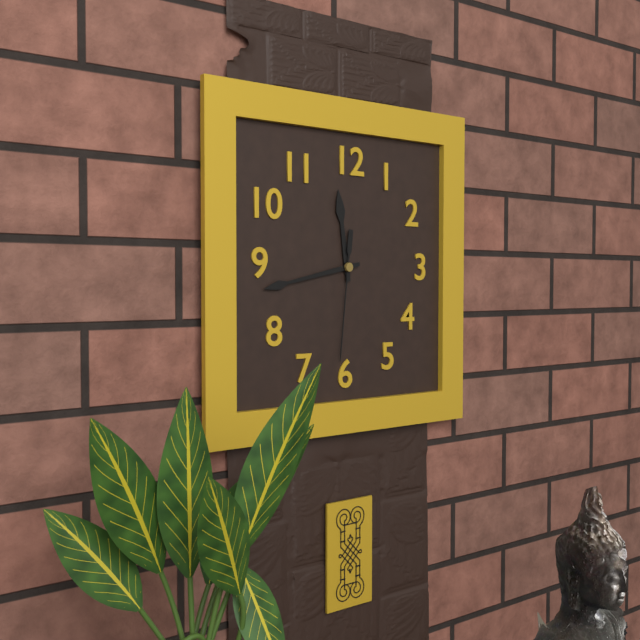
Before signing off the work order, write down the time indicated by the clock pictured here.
11:43:31
